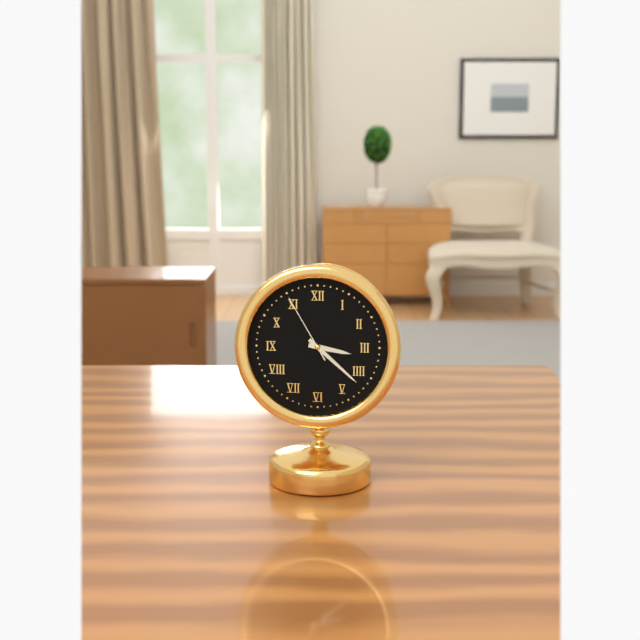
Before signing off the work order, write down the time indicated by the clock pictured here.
3:22:55
